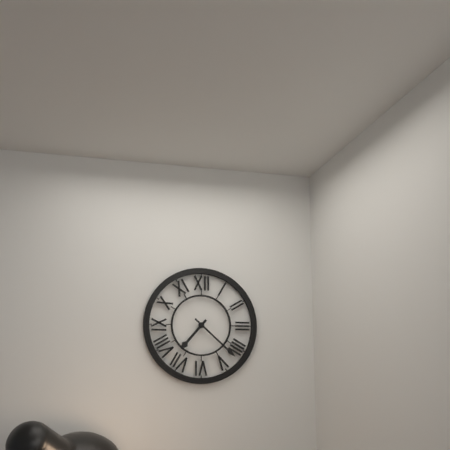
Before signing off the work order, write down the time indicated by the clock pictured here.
7:22
